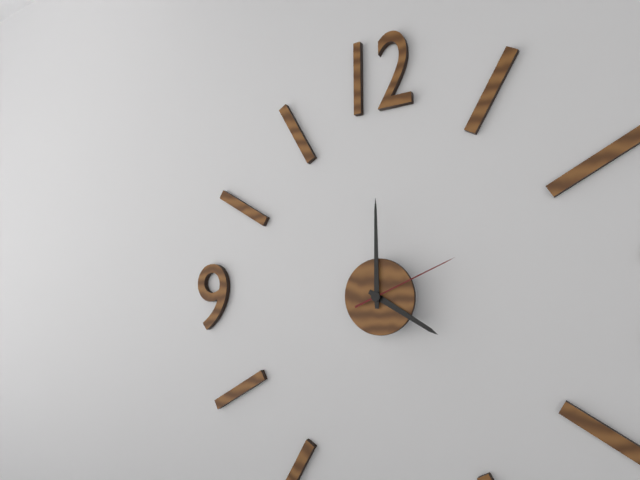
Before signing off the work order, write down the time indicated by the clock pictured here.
4:00:11
